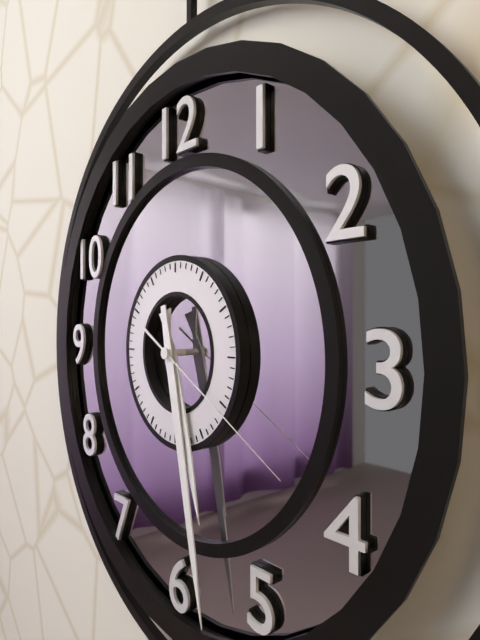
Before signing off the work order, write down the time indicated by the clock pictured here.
5:28:20
